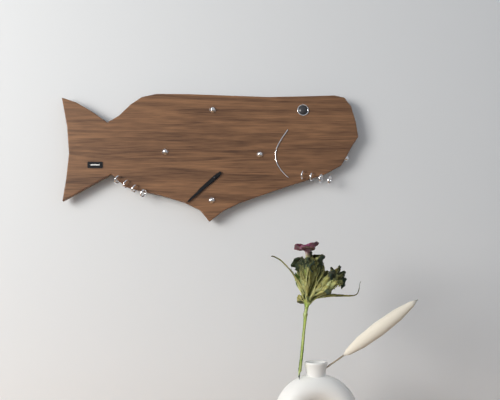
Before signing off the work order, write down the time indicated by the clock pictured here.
7:38
